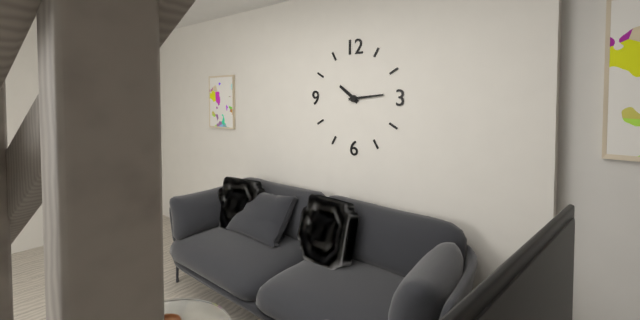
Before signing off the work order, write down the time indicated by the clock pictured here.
10:14
